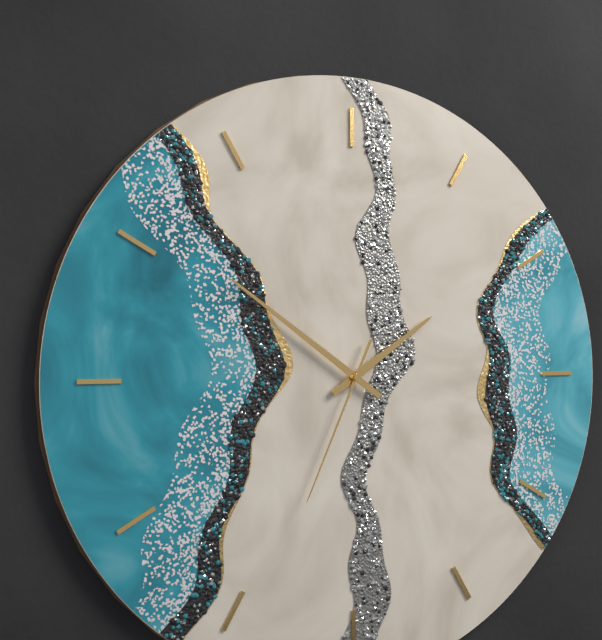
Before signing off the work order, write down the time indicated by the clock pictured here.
1:51:34
